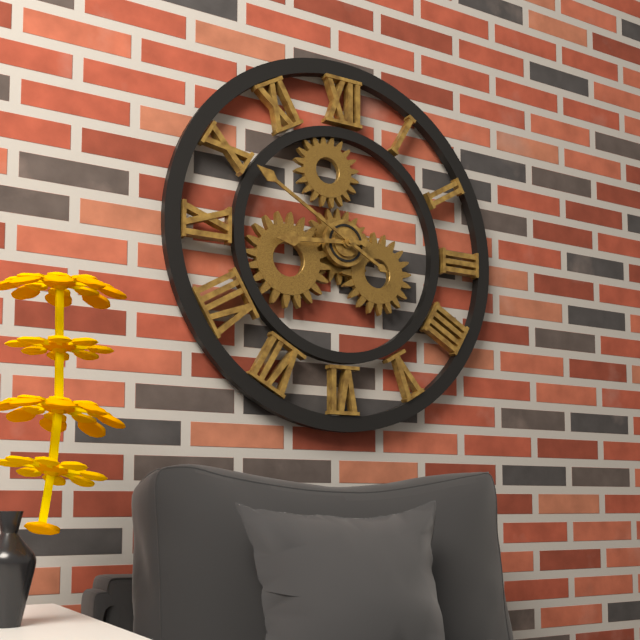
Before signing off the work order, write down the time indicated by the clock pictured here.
8:50
